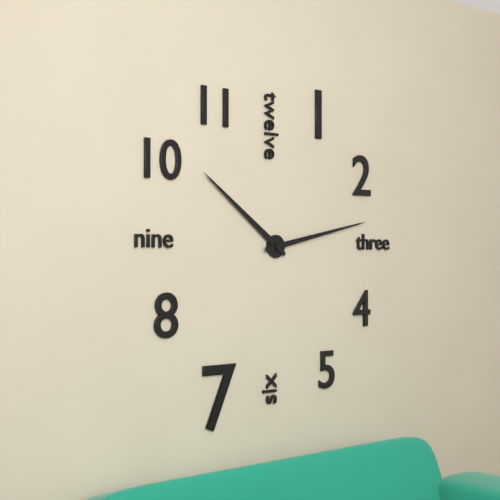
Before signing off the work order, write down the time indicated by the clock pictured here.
10:13
